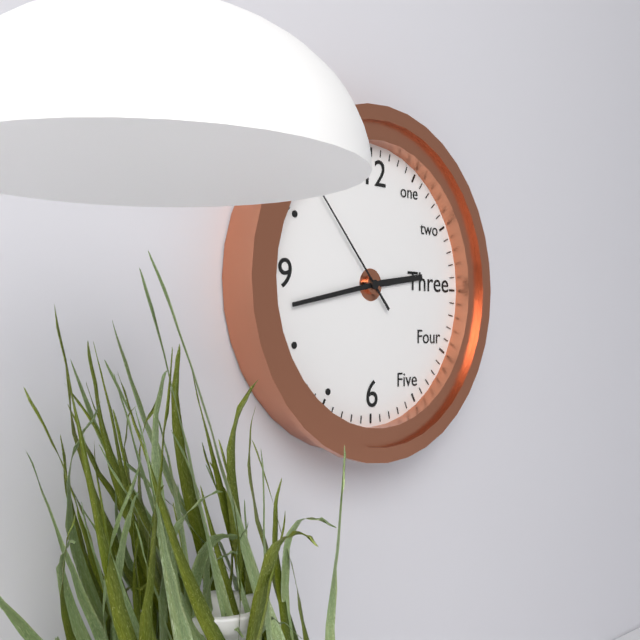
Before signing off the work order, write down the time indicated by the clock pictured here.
2:43:53
